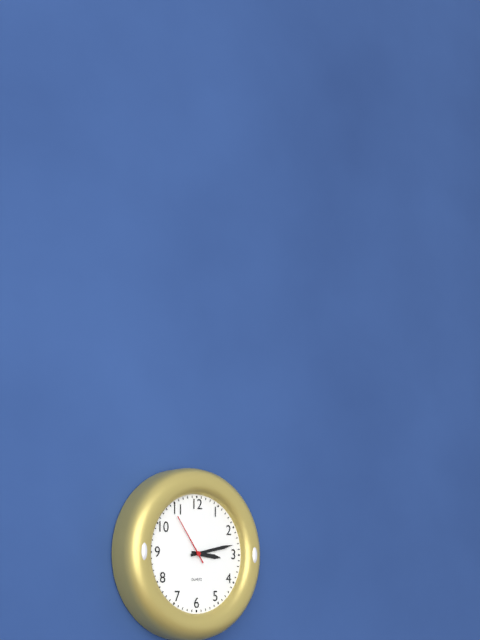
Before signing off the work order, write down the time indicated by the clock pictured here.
3:13
